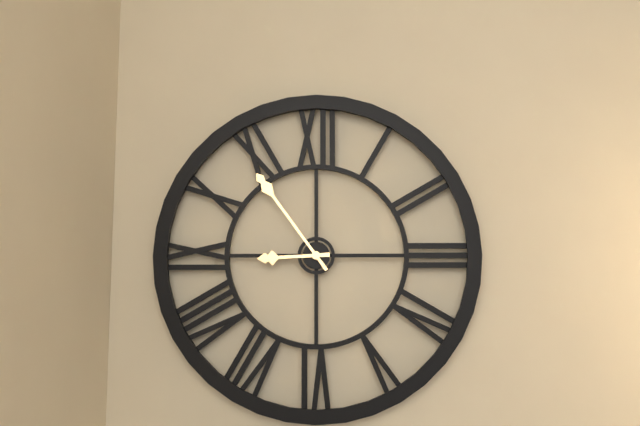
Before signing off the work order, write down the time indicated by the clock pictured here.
8:54
